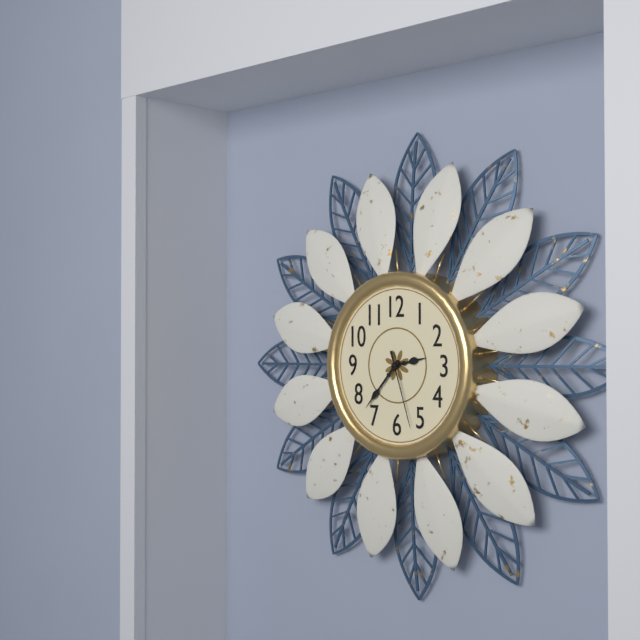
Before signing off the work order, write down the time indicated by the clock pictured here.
2:37:27
